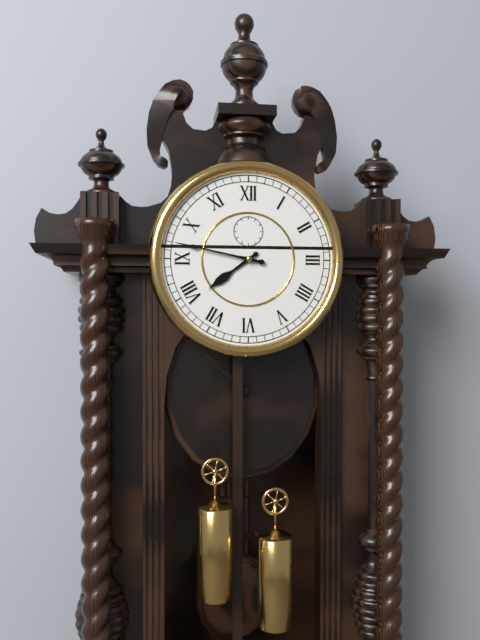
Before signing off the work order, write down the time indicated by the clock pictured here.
7:47
